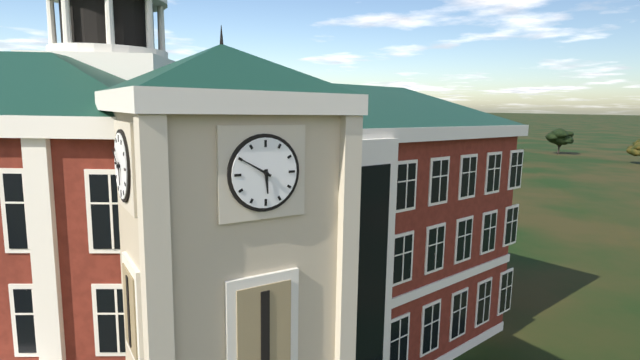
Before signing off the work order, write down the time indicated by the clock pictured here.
5:50
